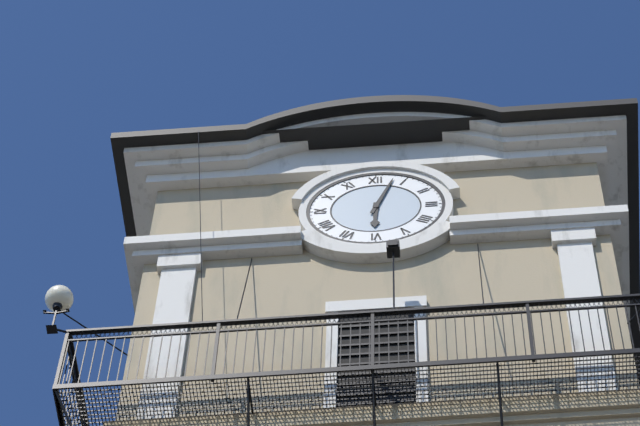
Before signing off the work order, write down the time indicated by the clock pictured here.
6:03
